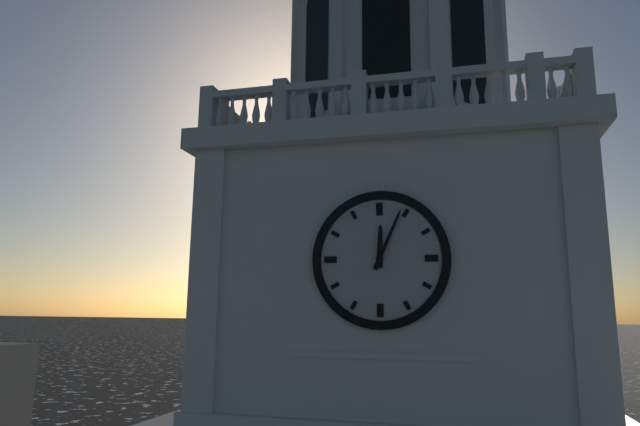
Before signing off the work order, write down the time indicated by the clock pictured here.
12:04
